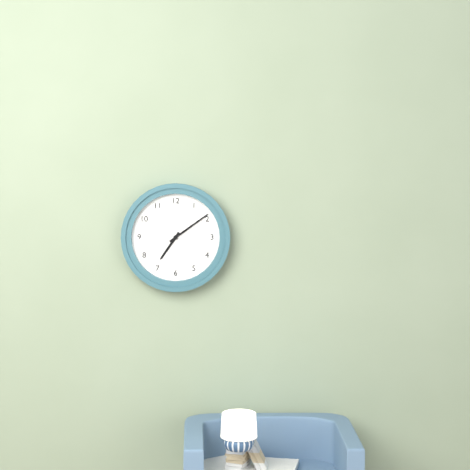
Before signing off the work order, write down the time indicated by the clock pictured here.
7:09
